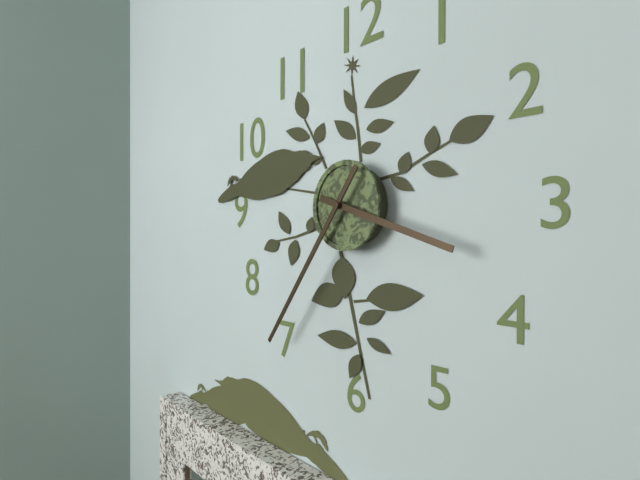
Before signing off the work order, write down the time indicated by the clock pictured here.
3:36
